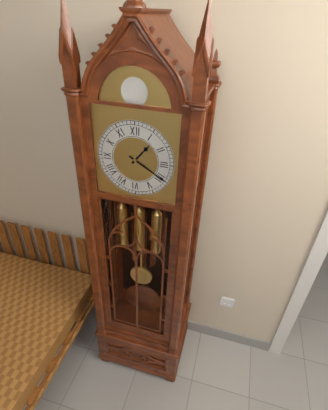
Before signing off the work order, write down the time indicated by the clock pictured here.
1:20
